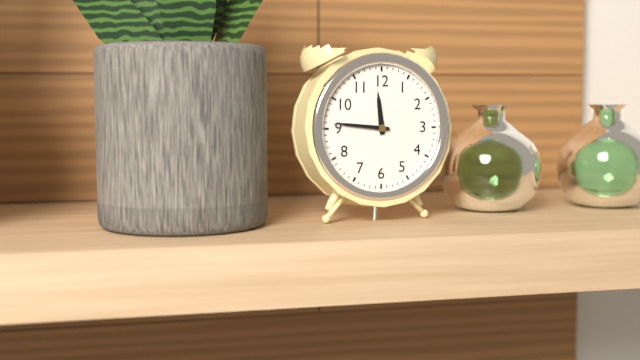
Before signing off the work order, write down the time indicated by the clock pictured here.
11:46
